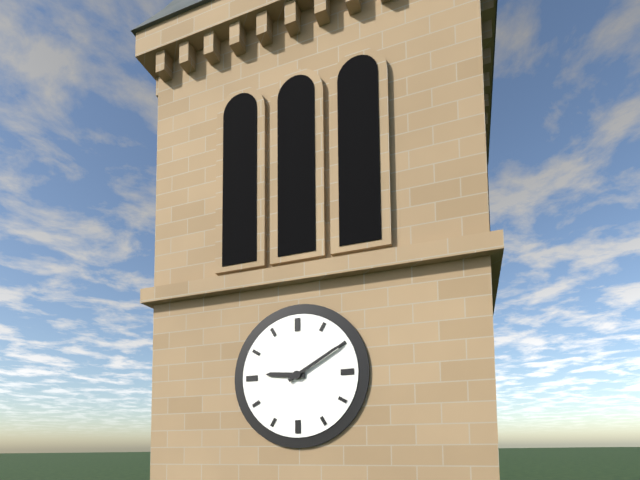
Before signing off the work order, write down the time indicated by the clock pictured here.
9:10
